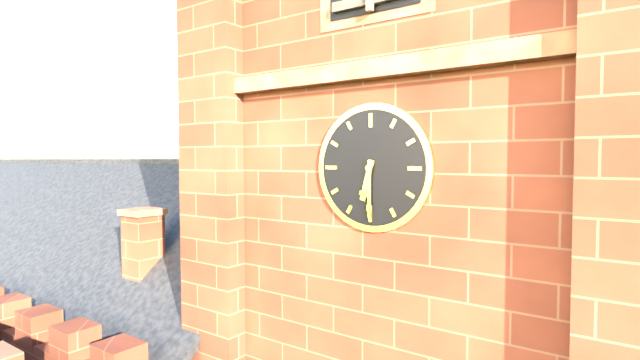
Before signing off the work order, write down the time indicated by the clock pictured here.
6:30
